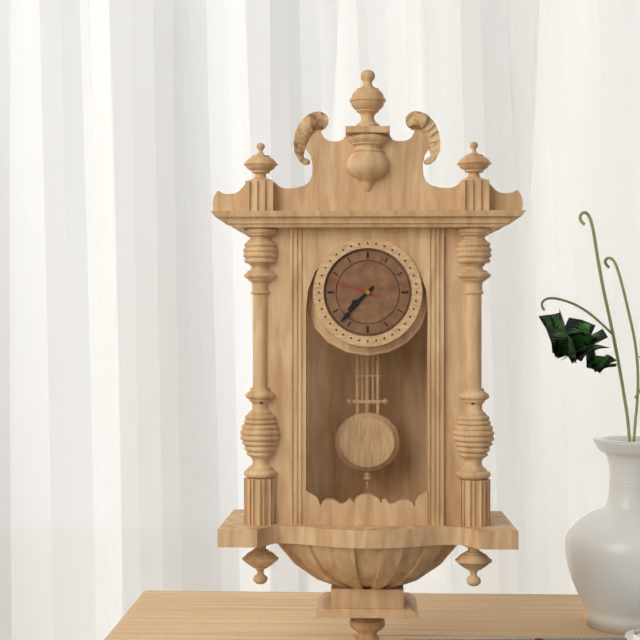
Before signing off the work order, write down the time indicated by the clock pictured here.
7:37:48
